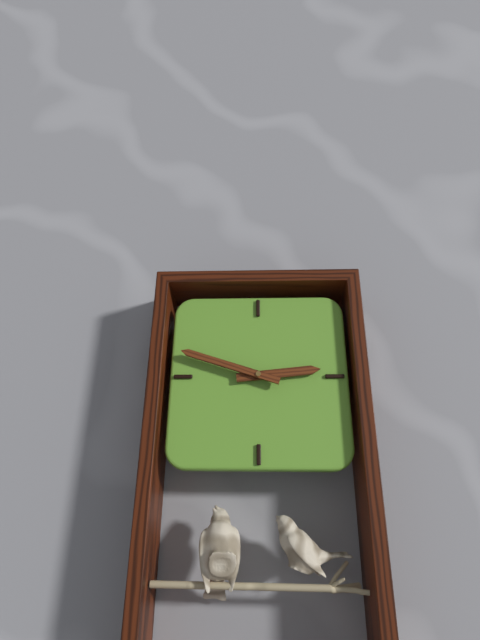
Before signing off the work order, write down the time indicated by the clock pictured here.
2:48
